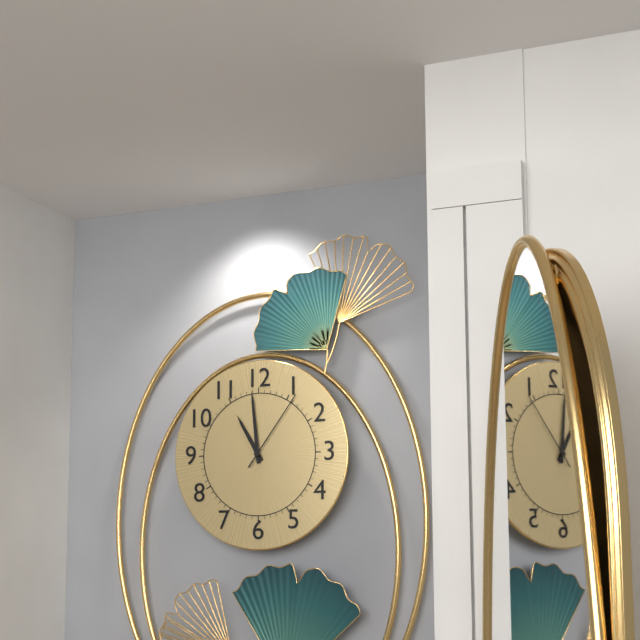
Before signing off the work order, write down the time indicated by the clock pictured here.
10:59:06
